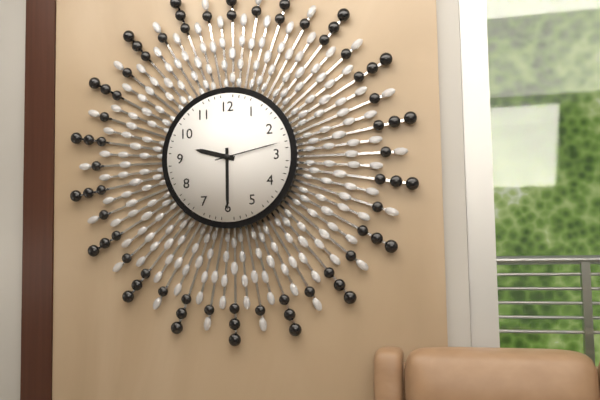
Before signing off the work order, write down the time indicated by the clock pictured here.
9:30:13
